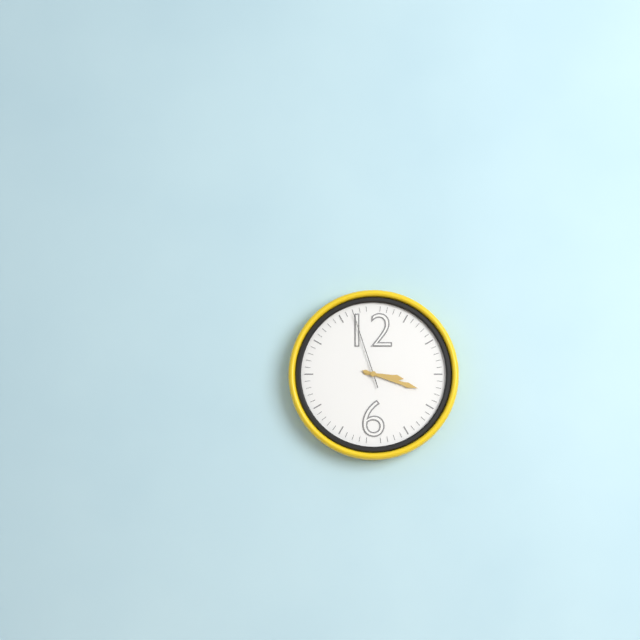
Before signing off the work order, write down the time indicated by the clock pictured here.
3:18:57
